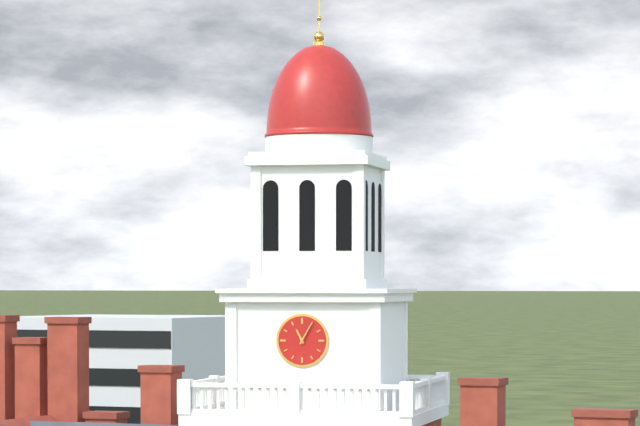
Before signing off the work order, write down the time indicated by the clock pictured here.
11:05
